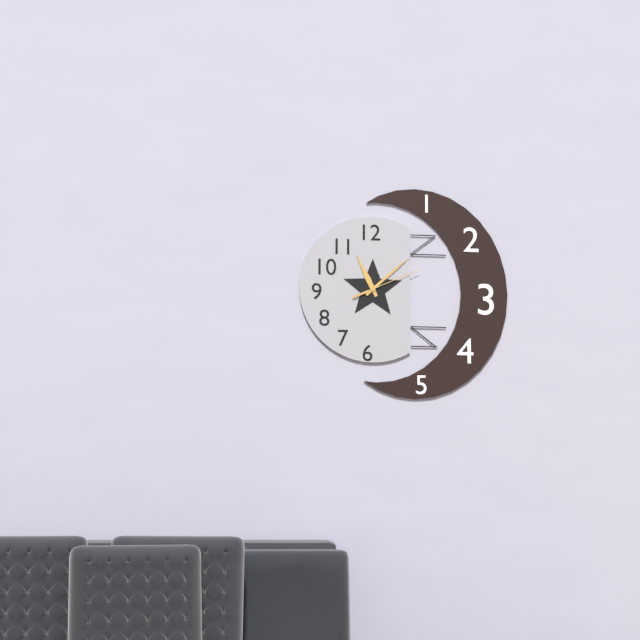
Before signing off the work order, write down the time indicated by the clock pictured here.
11:08:11
